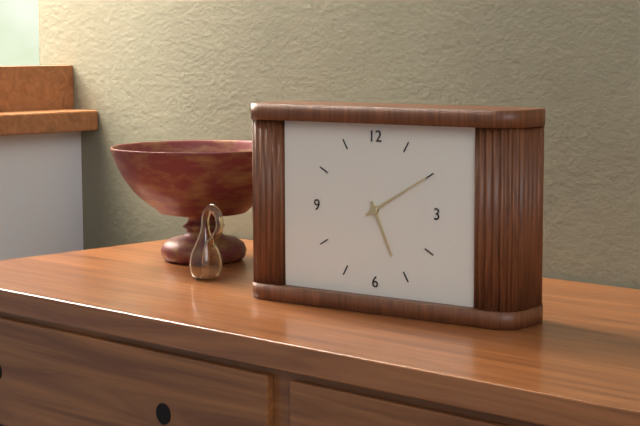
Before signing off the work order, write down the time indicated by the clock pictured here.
5:10
